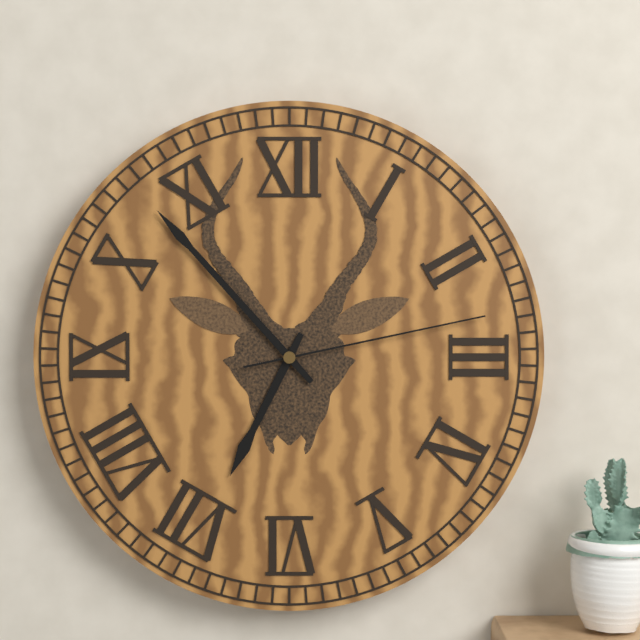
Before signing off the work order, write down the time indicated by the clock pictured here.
6:53:13
